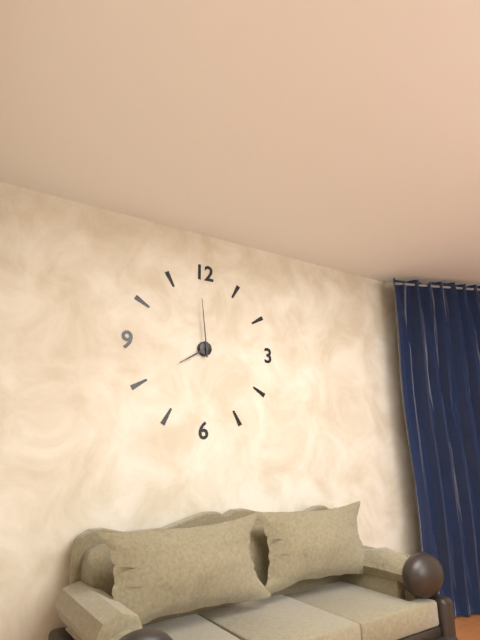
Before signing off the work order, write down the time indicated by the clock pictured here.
7:59
